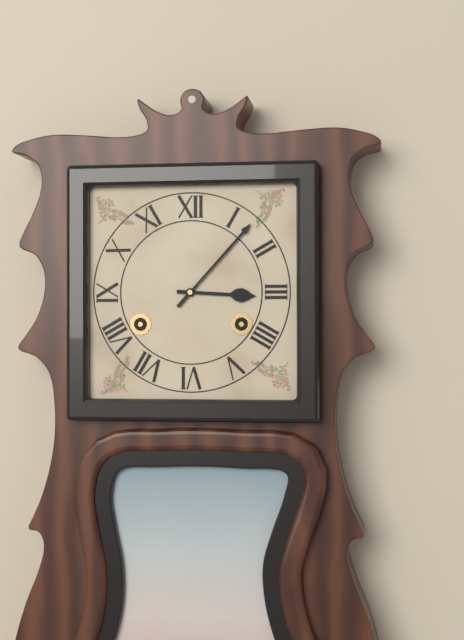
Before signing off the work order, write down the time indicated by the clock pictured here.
3:07
